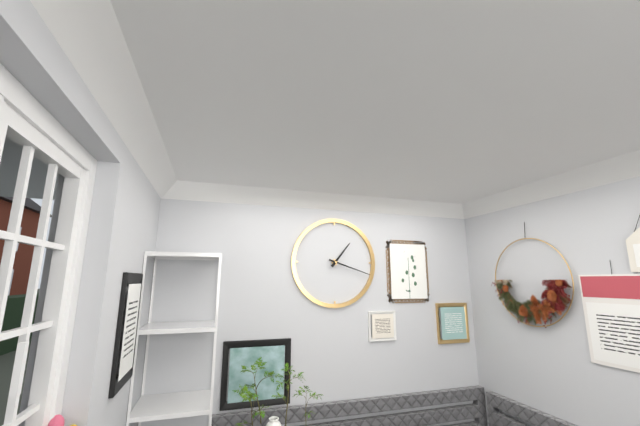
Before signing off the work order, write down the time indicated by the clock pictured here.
1:18
